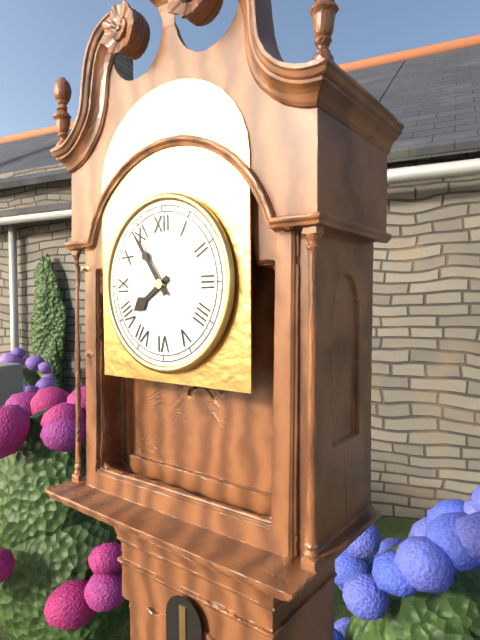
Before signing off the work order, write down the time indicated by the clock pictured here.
7:54
